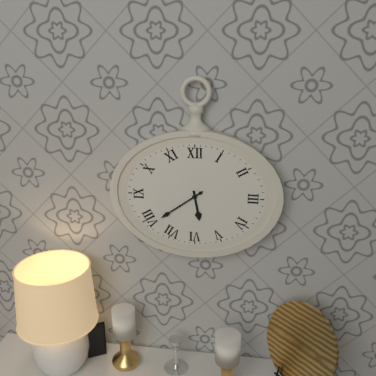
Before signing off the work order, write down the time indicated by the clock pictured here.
5:39
